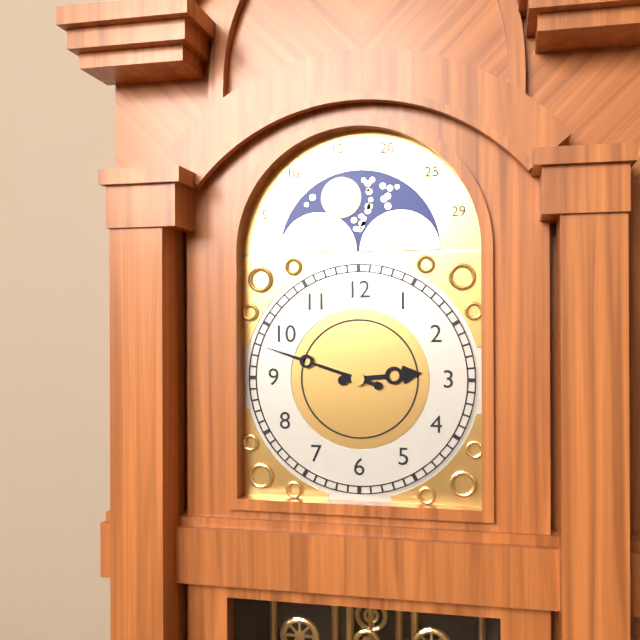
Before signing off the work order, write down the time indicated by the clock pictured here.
2:48
